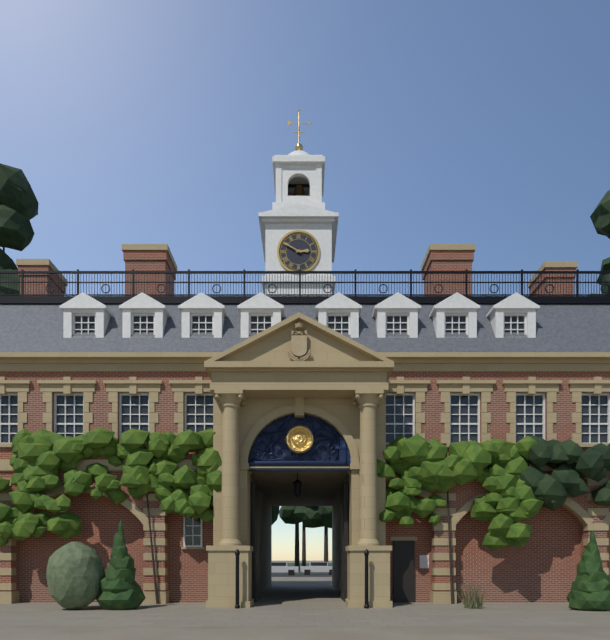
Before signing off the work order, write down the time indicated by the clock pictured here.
2:50
